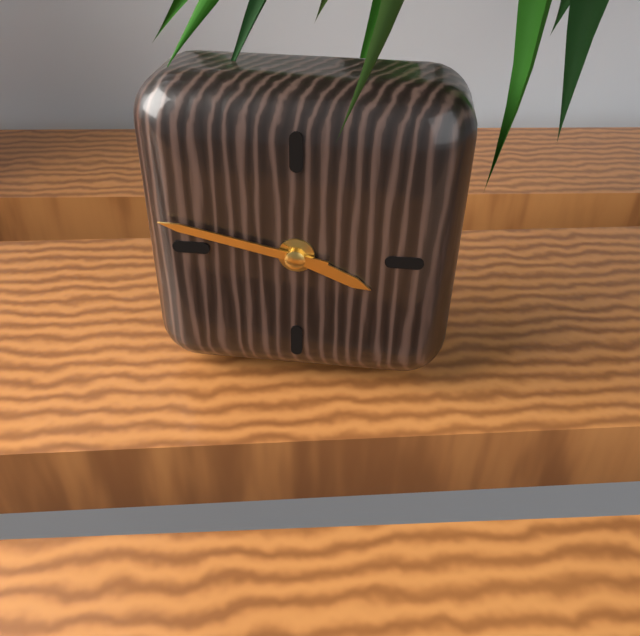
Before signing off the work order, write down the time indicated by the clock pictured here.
3:47
